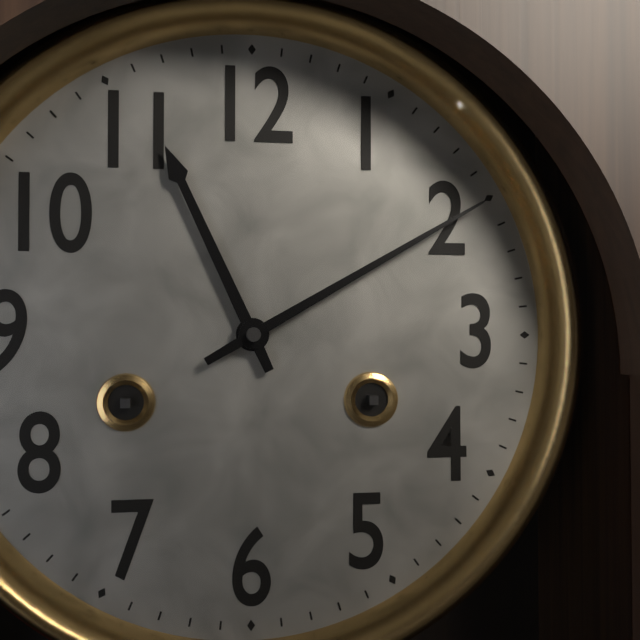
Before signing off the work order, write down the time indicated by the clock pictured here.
11:10
